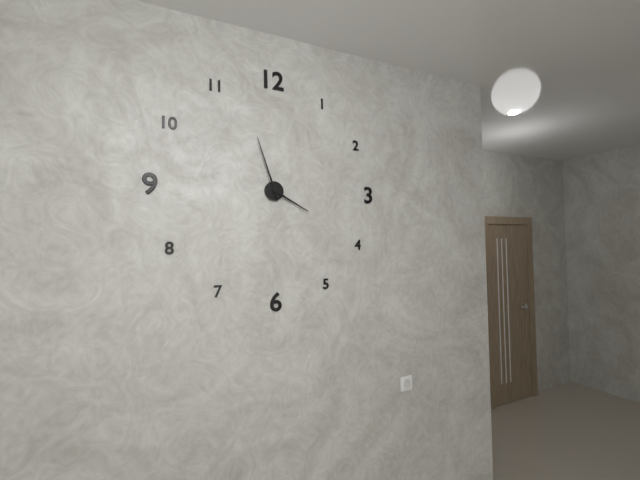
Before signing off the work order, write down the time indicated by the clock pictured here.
3:57
